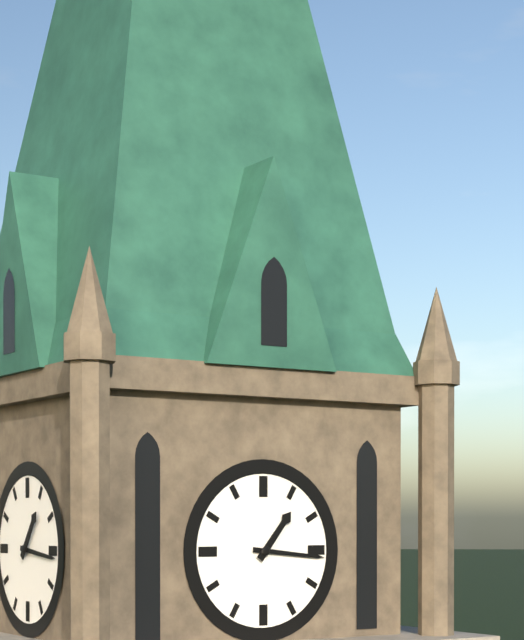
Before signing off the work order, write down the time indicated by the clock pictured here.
1:16
